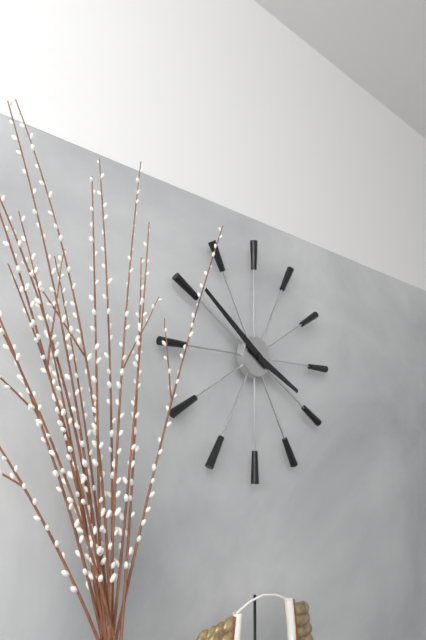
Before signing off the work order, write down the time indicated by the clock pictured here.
3:51
